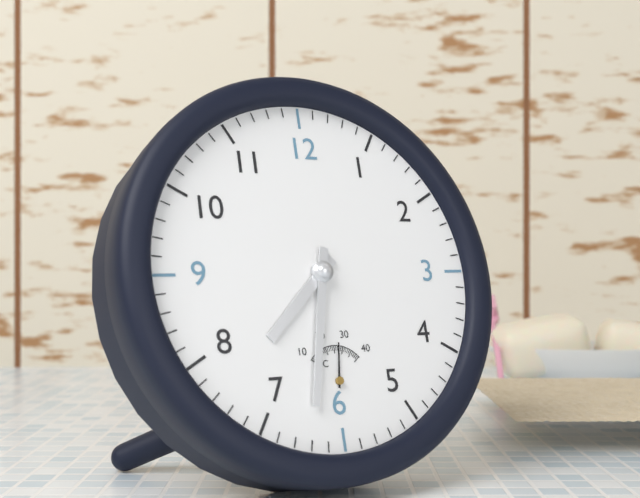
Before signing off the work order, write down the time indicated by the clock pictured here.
7:32
